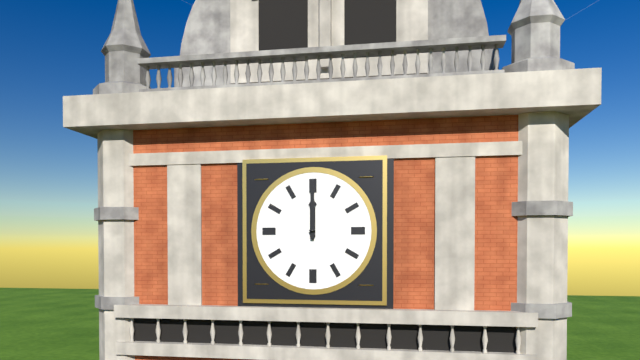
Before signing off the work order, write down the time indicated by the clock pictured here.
12:00
